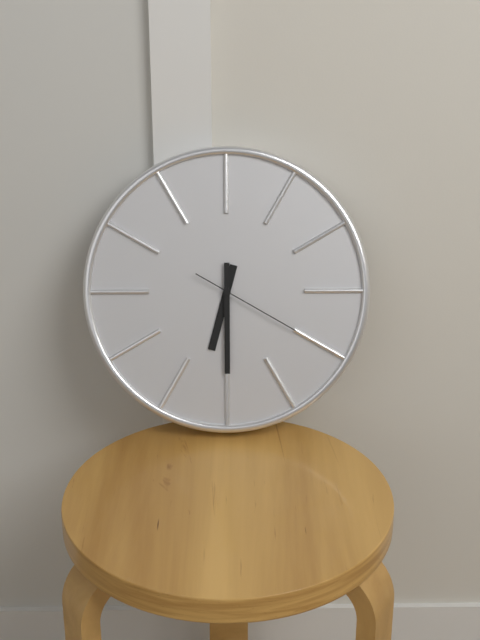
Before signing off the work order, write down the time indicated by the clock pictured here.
6:30:20
